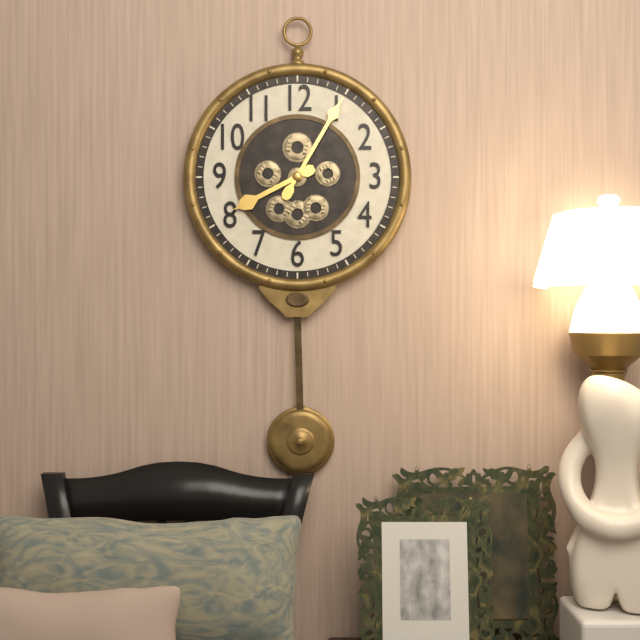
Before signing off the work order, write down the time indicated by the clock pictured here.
8:05
